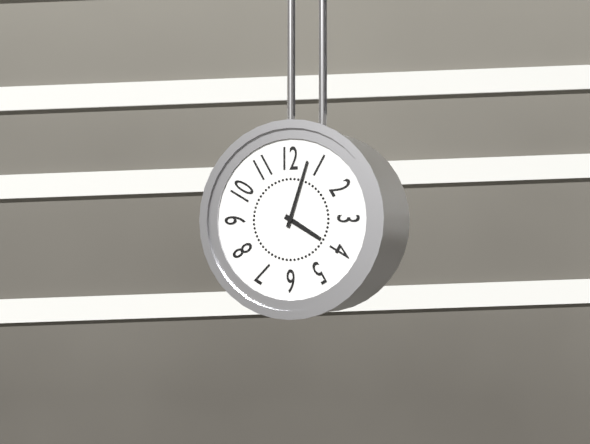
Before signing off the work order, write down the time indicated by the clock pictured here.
4:03
